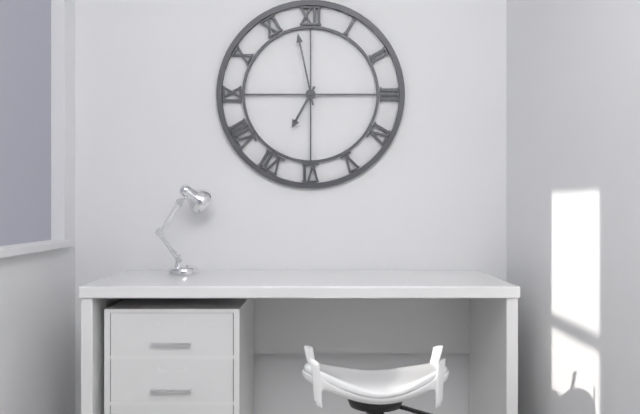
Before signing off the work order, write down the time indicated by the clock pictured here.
6:58
